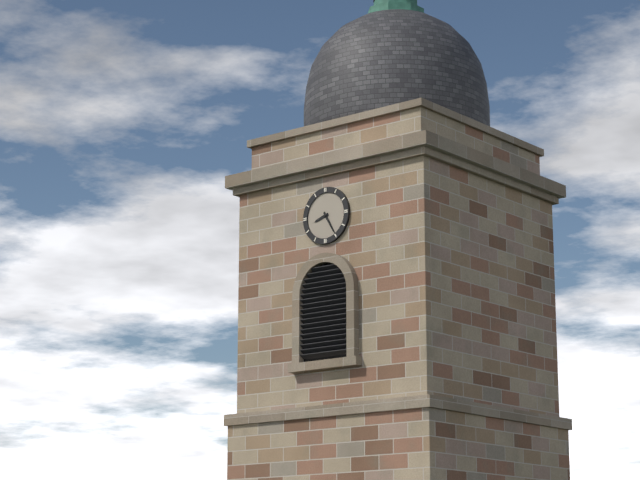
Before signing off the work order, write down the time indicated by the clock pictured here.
8:25
